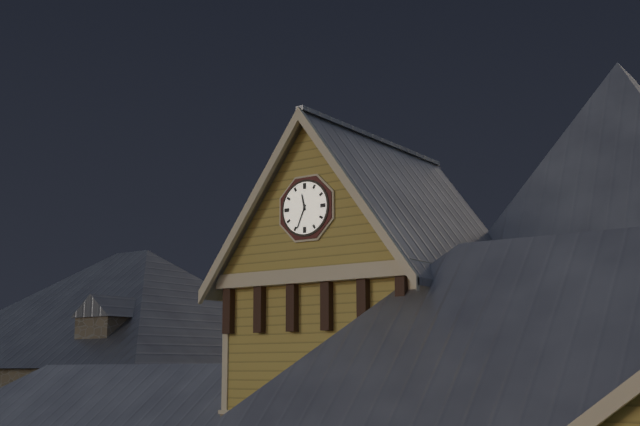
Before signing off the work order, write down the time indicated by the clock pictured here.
11:34
